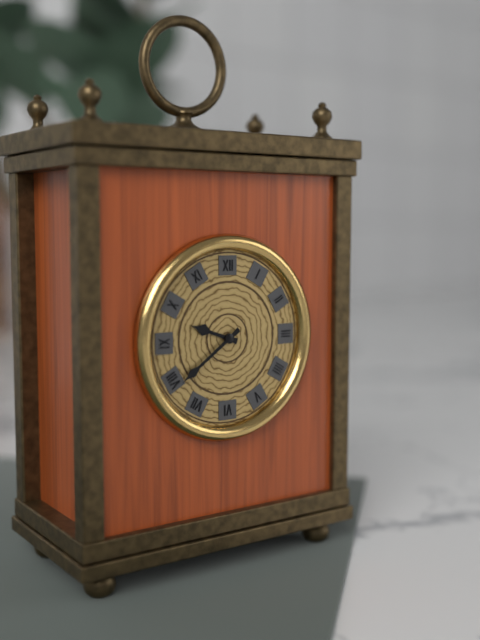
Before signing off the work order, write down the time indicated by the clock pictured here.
9:39
